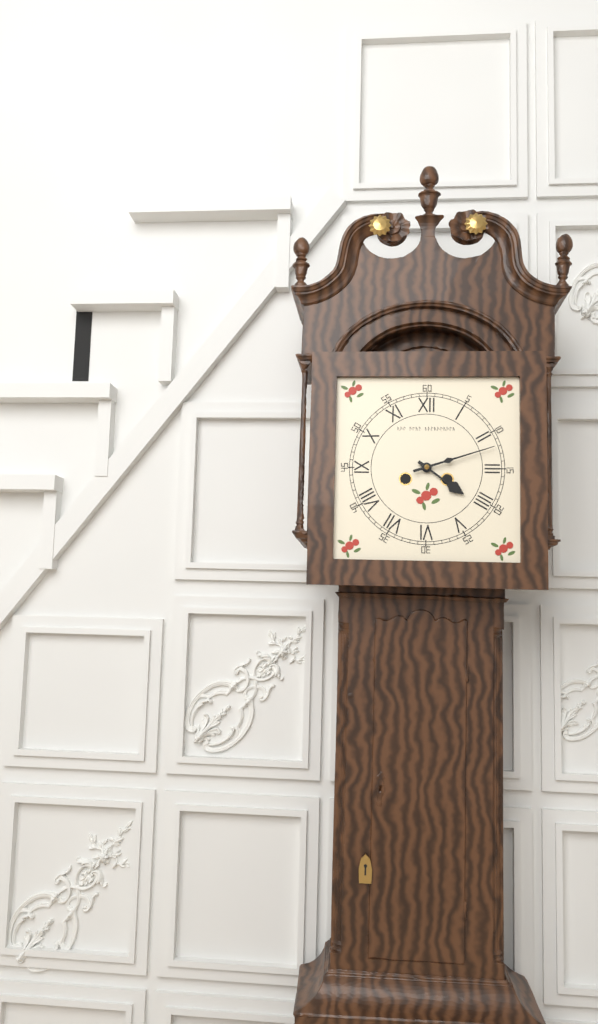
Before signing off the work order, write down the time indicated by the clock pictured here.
4:12
